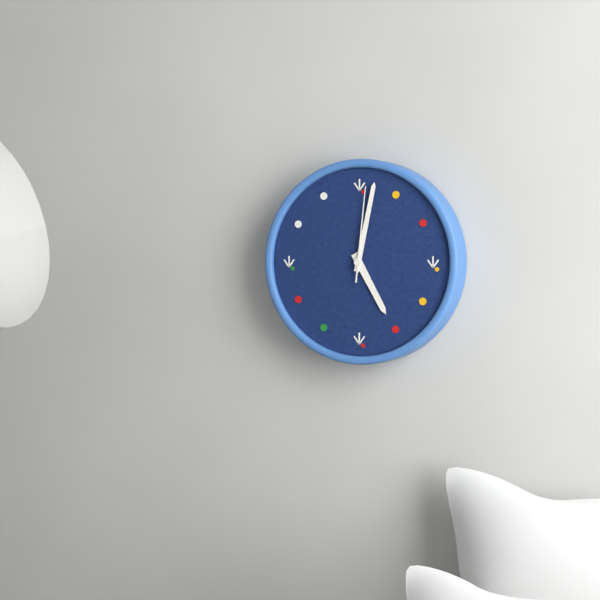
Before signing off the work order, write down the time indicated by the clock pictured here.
5:02:01
